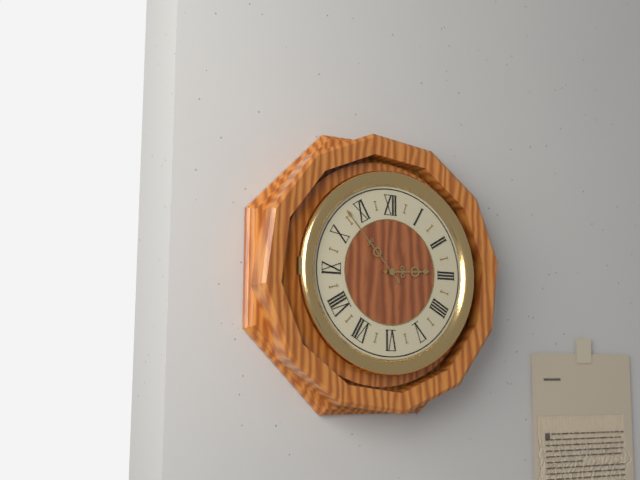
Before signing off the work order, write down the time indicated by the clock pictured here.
2:53
